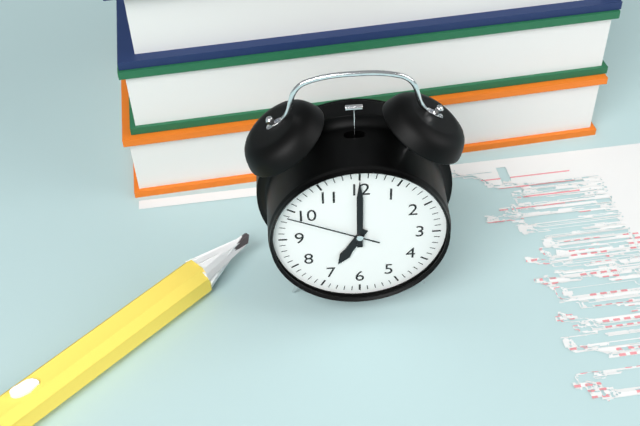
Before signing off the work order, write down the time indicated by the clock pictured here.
7:00:49
